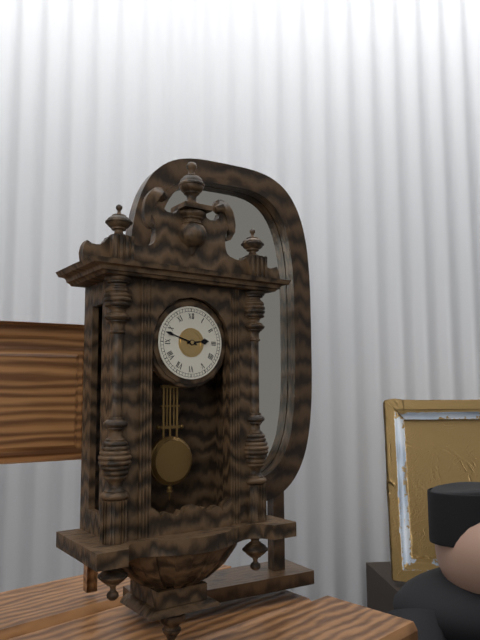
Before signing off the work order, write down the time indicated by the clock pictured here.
2:48
